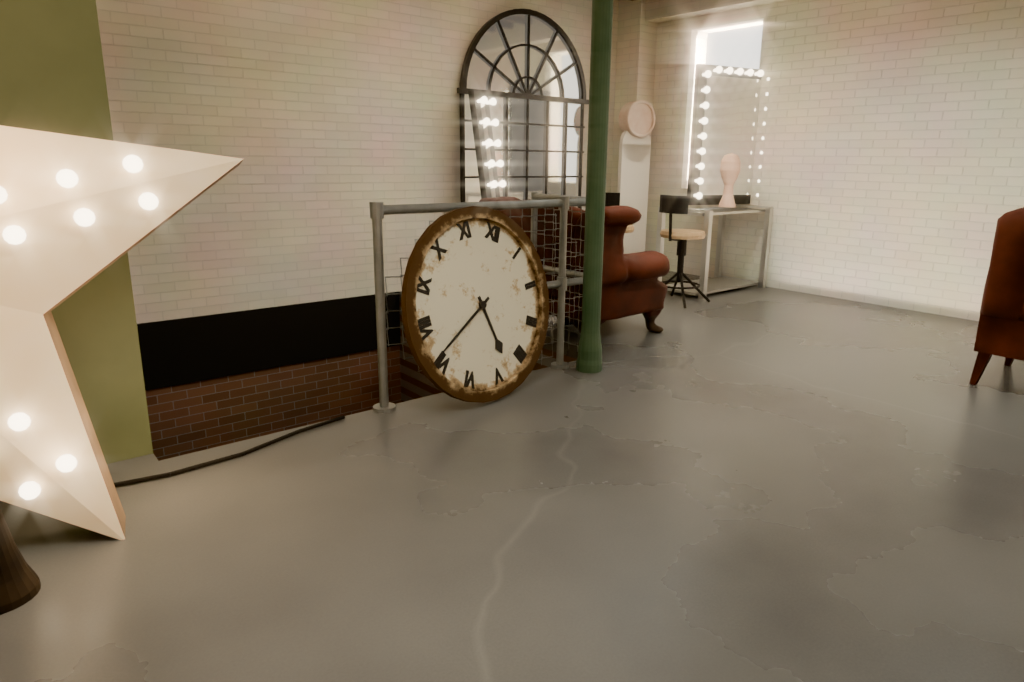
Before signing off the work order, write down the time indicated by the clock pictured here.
4:36
